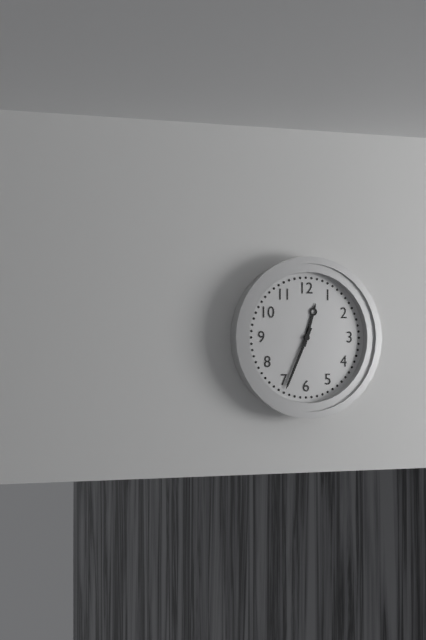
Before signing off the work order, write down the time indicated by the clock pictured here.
12:34
